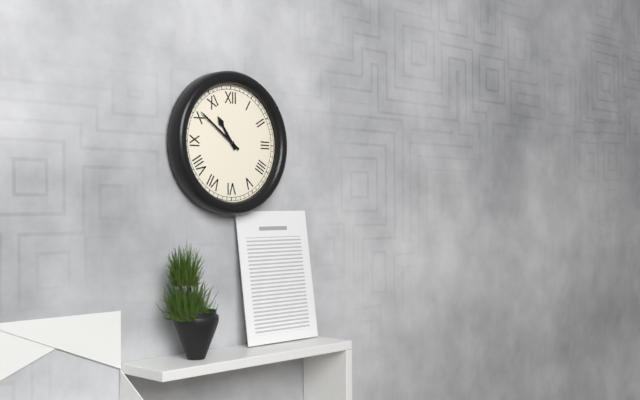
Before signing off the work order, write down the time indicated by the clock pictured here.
10:51
